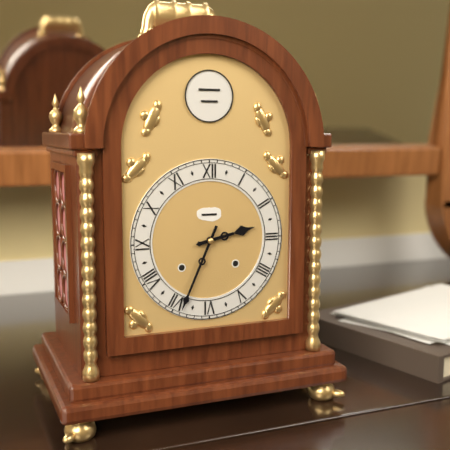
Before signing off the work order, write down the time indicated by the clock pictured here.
2:34
